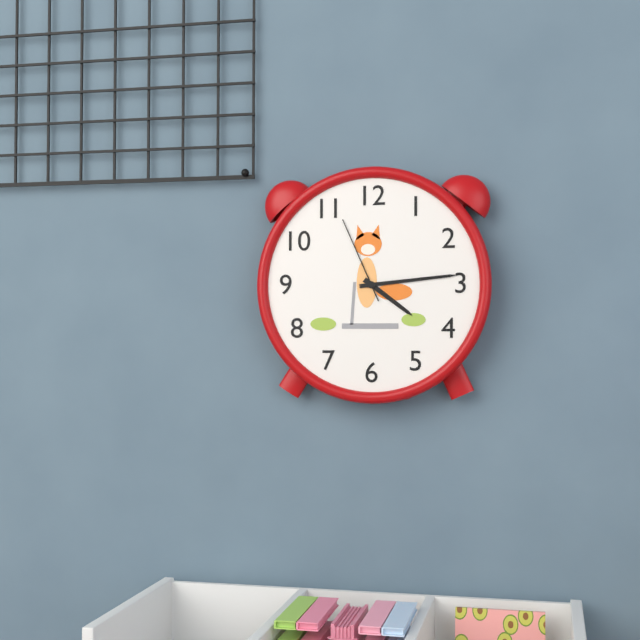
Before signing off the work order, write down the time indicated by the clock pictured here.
4:14:56
